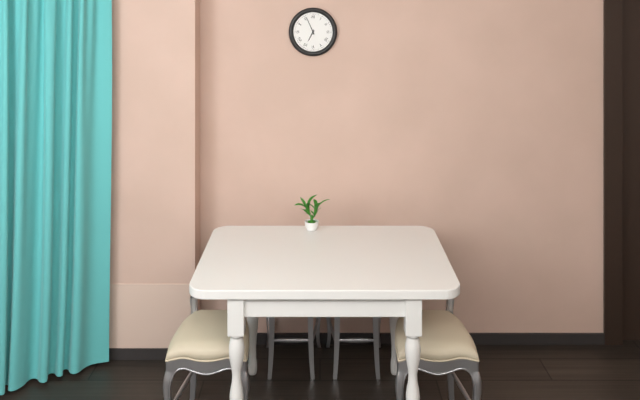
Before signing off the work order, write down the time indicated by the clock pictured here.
6:56
